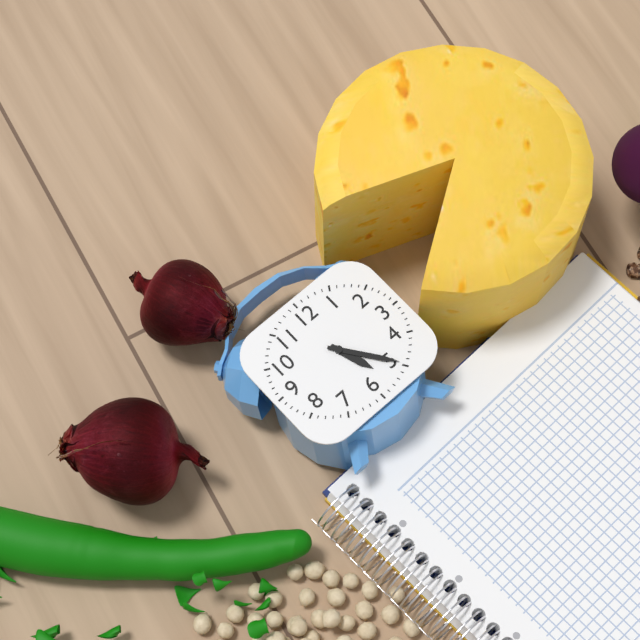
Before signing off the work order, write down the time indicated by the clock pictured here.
5:24
